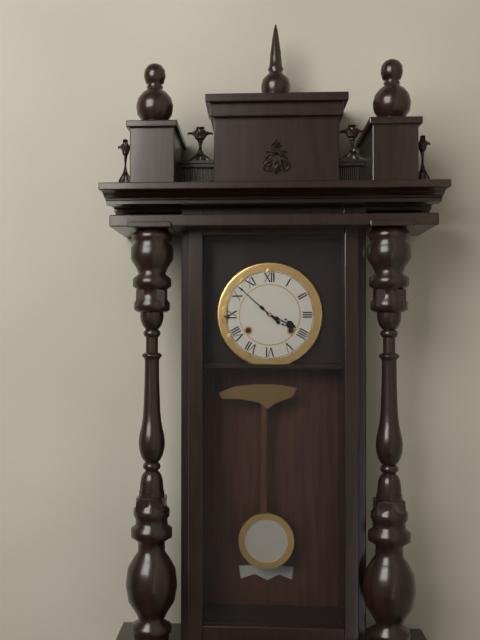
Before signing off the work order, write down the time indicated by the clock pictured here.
3:52
